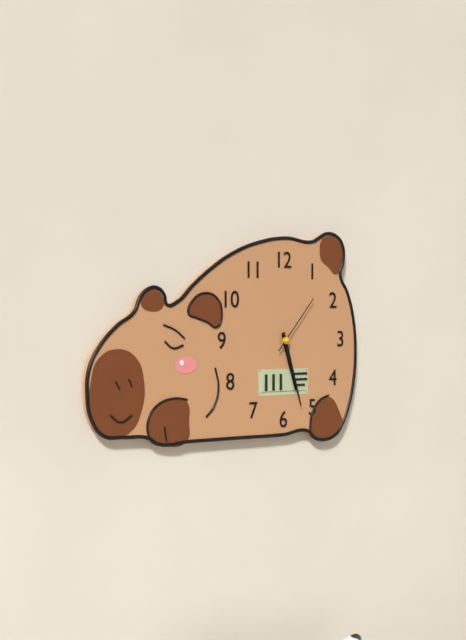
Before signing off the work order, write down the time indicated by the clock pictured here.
5:27:07
